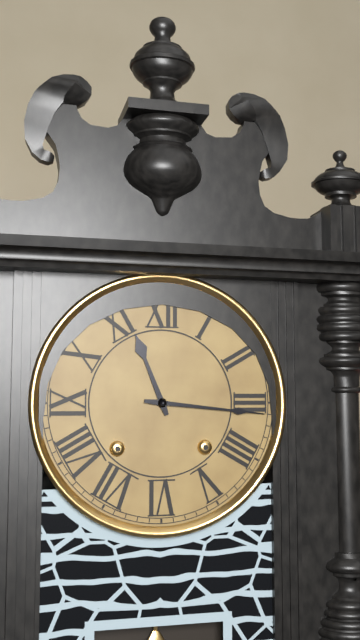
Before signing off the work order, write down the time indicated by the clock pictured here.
11:16
